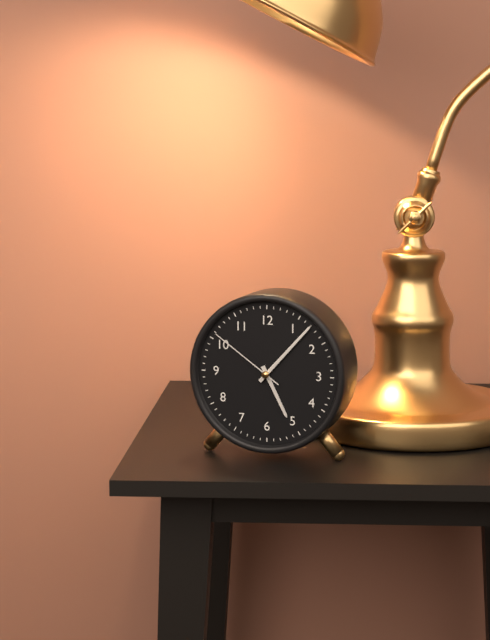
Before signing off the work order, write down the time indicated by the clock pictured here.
5:07:51
